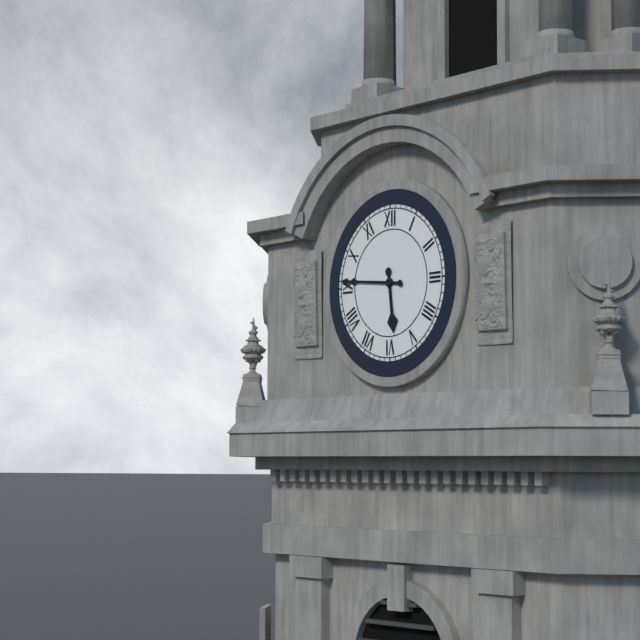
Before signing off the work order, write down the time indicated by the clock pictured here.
5:46
